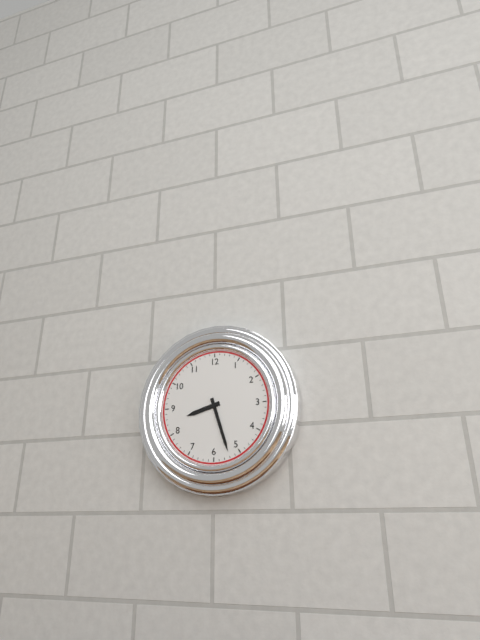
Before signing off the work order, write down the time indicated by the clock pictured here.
8:27
